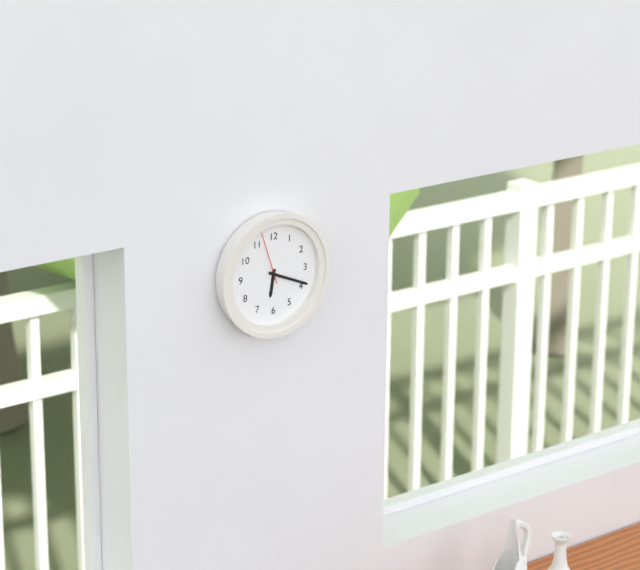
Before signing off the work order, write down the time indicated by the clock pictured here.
6:19:57
